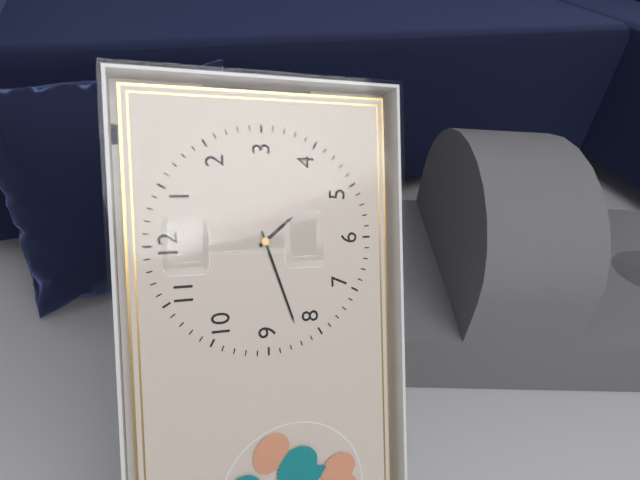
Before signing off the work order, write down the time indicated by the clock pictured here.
4:42
